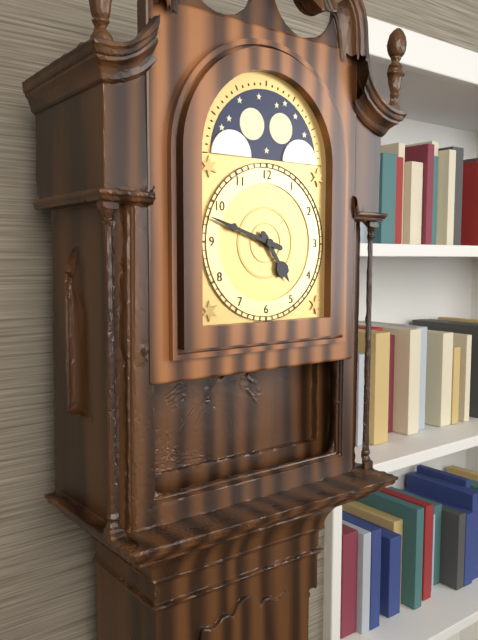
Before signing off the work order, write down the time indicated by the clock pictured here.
4:48
